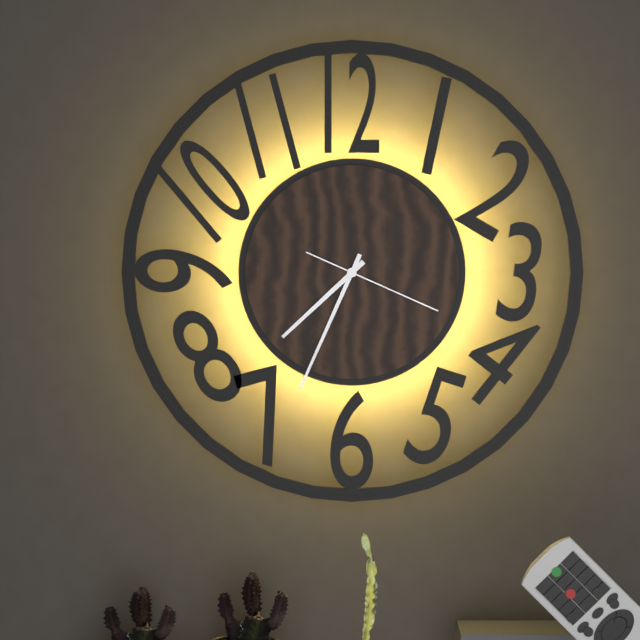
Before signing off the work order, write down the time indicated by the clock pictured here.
7:34:19
